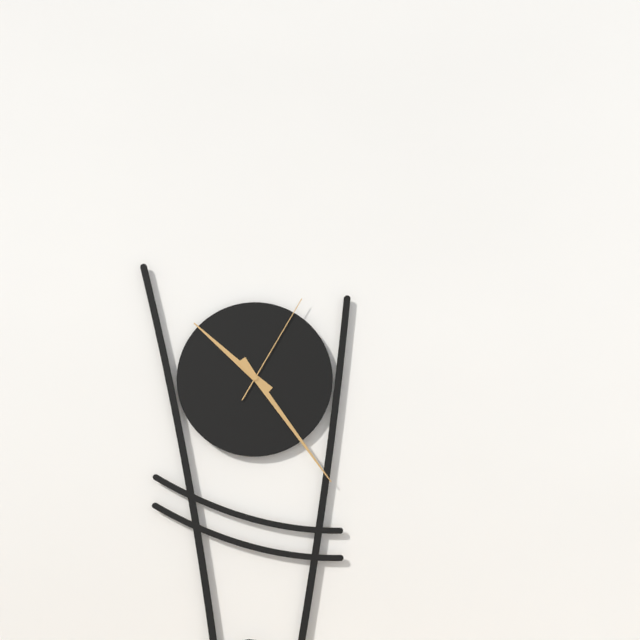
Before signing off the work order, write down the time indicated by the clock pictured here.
10:24:05
